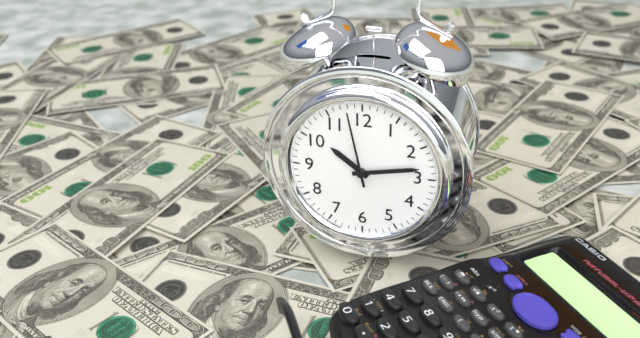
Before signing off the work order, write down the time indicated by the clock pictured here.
10:13:58
